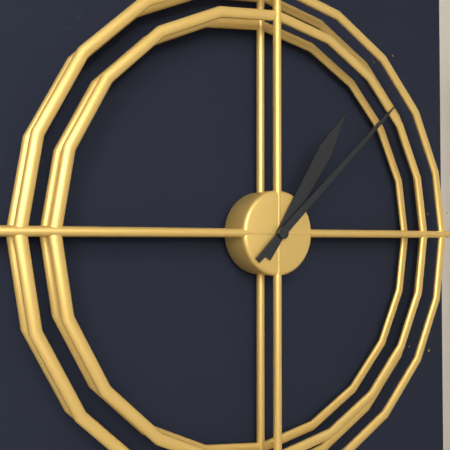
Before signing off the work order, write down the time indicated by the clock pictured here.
1:08
